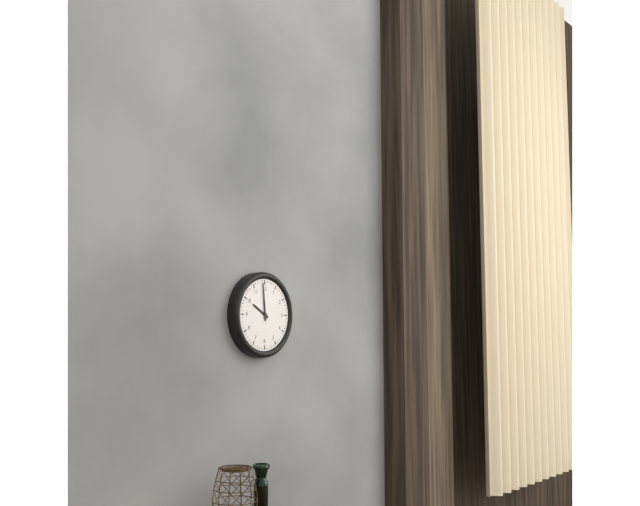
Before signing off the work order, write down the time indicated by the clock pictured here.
9:59
